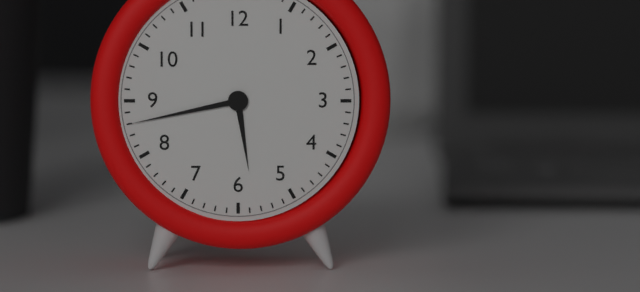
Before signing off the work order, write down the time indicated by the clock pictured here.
5:43
